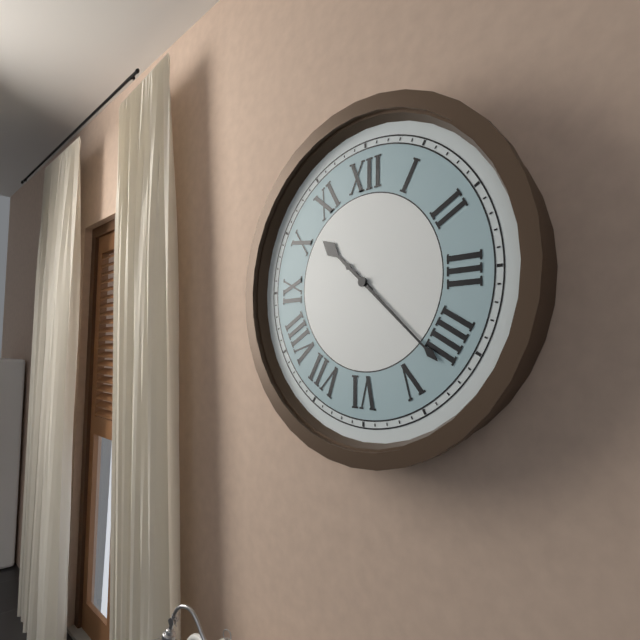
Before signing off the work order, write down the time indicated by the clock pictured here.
10:22
